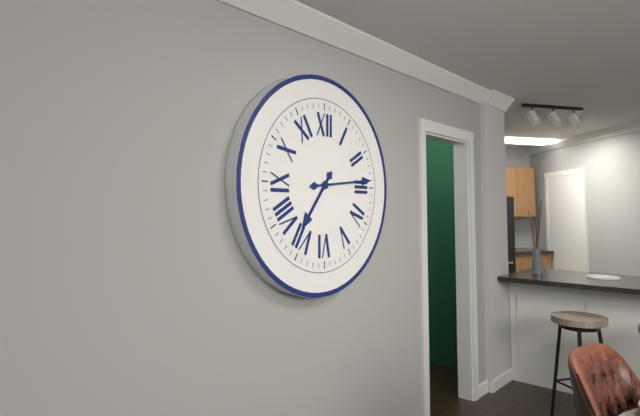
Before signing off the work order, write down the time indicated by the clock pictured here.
7:14
